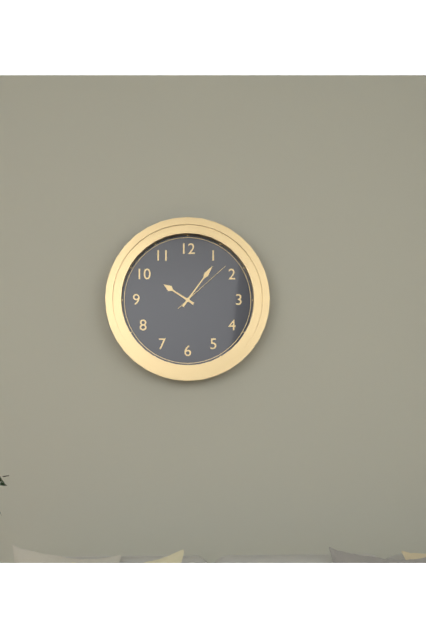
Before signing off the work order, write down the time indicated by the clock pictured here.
10:06:08
